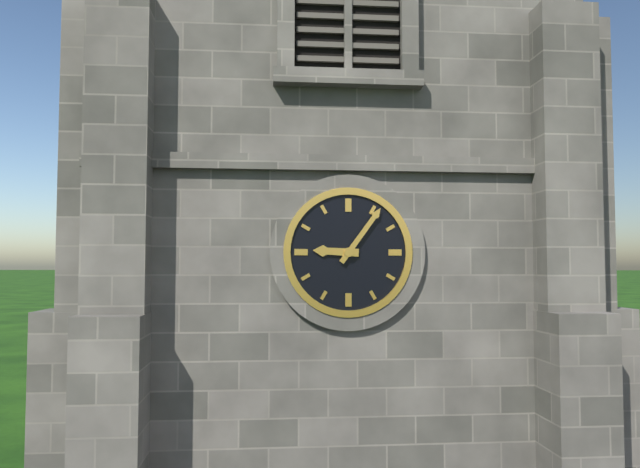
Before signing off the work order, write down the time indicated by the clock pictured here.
9:06
